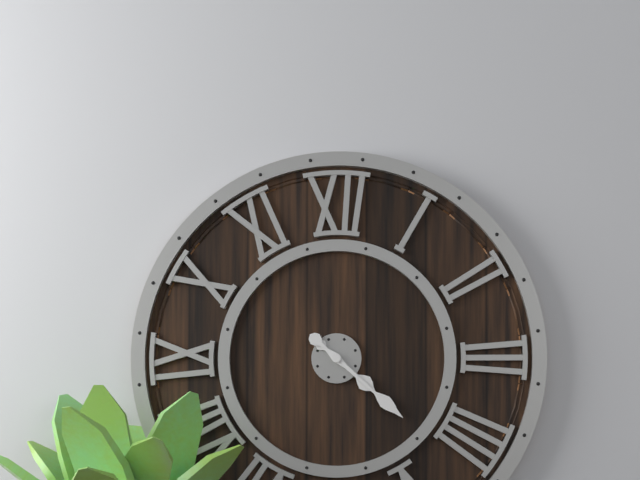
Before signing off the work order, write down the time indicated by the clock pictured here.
4:22
